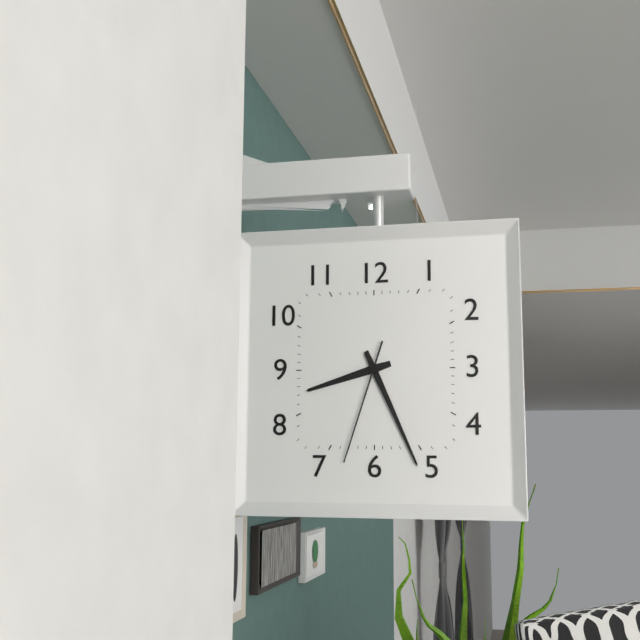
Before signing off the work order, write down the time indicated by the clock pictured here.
8:26:33
